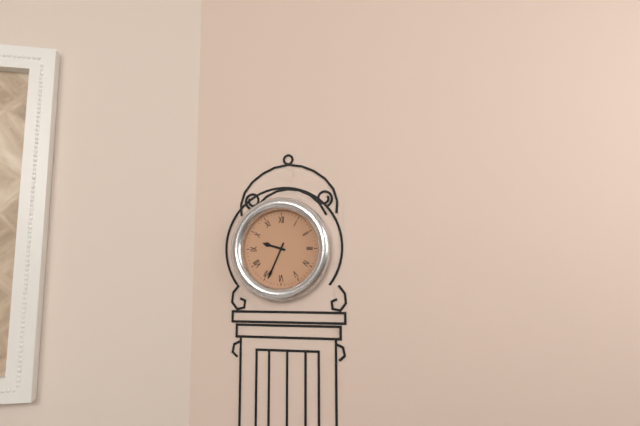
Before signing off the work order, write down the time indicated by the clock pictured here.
9:34
